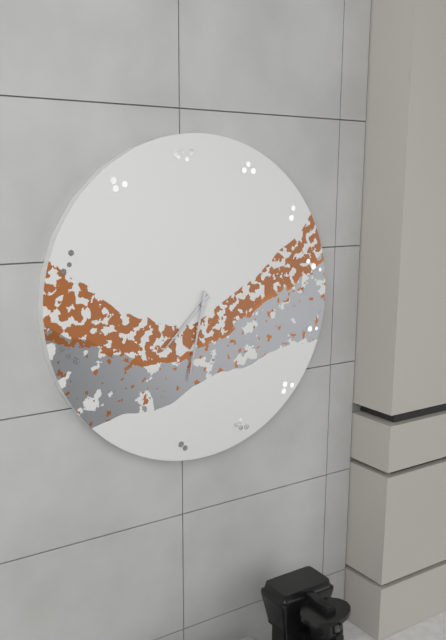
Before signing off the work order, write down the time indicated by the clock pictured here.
7:32
